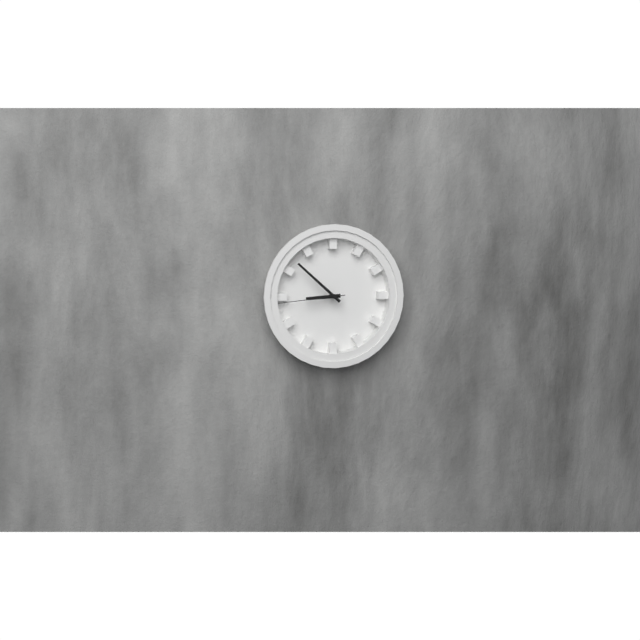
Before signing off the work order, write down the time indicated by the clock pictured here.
8:52:44
